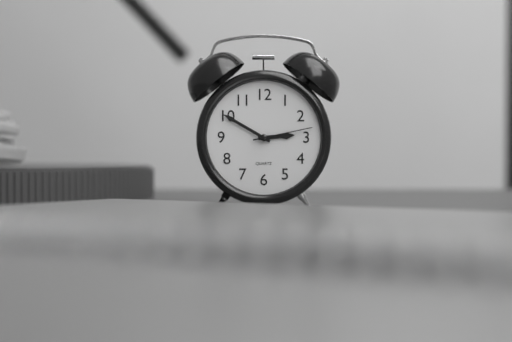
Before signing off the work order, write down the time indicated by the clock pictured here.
2:50:13
